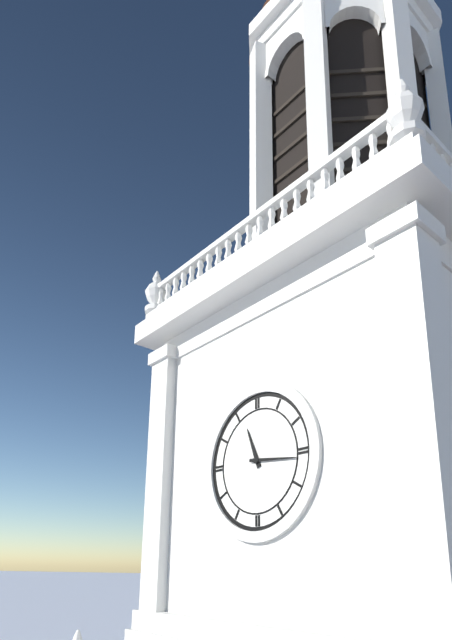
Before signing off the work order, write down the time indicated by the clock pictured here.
11:16
